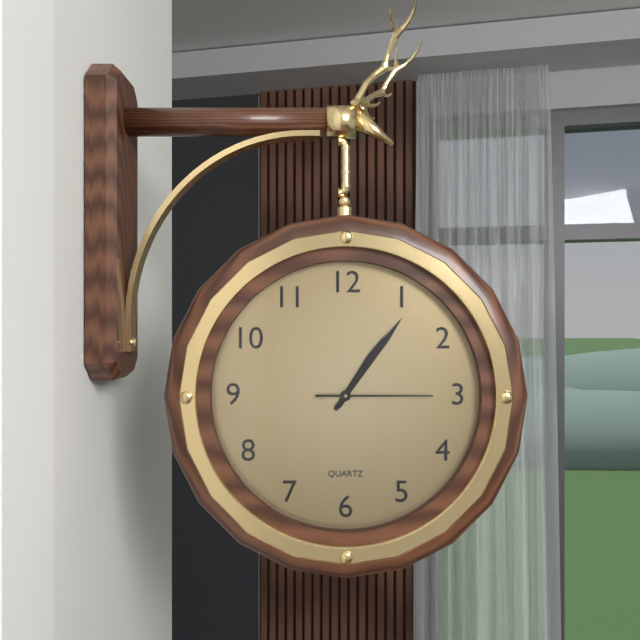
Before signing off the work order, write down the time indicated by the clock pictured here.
1:06:15
